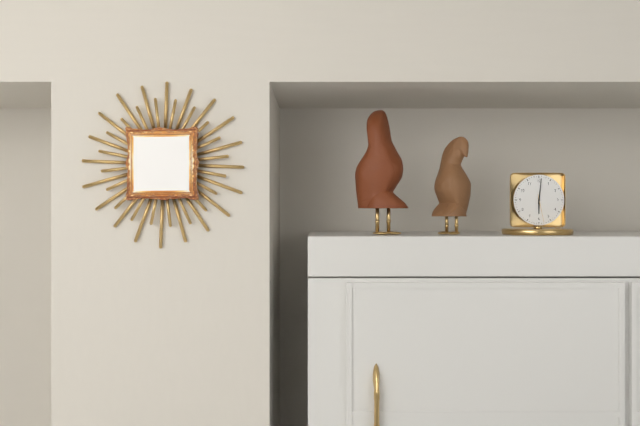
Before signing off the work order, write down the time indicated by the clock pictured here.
6:01
